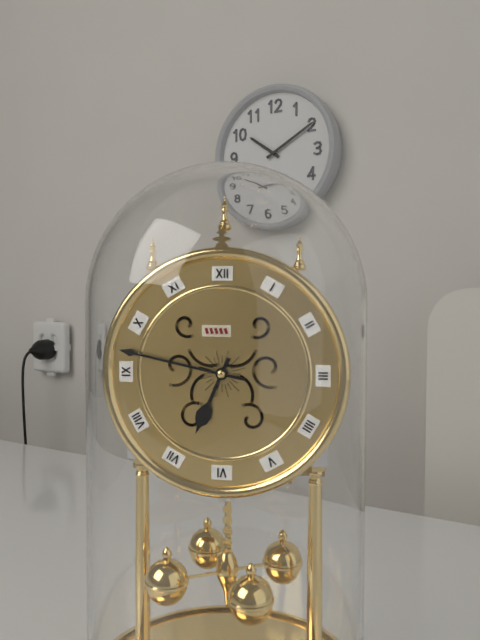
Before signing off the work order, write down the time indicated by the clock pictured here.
6:47
